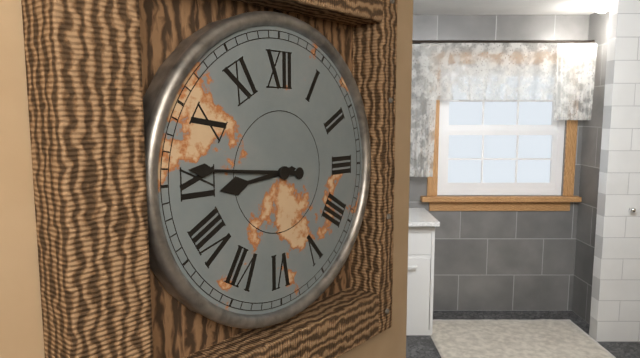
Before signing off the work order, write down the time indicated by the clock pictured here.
8:46
